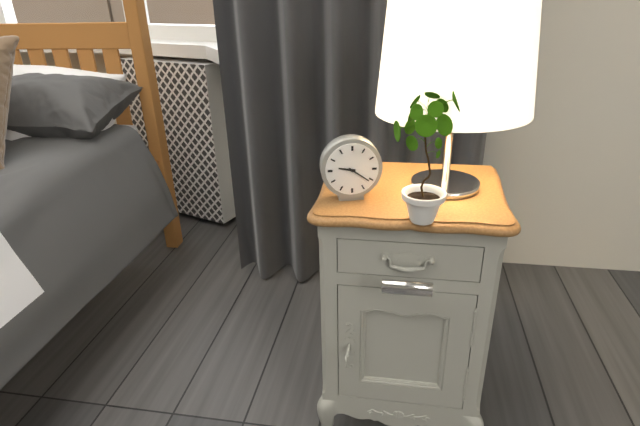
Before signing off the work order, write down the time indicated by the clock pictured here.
9:21
